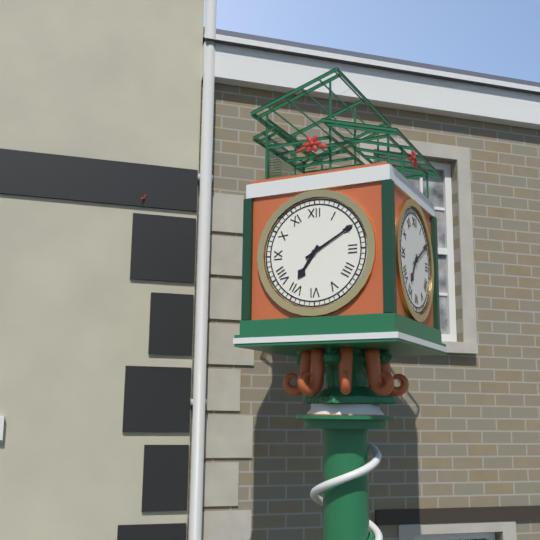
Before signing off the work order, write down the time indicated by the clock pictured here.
7:10
